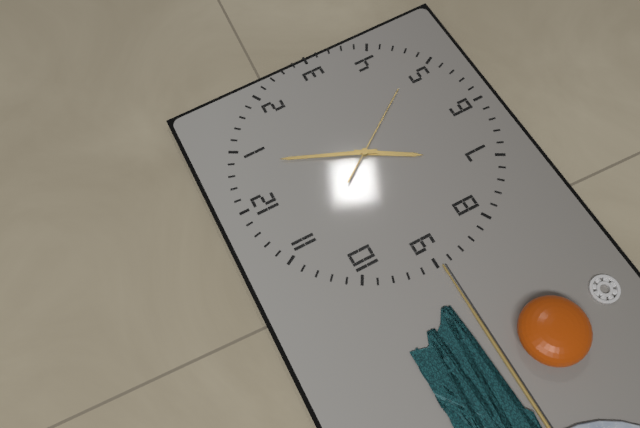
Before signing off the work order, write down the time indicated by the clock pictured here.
7:04:24
